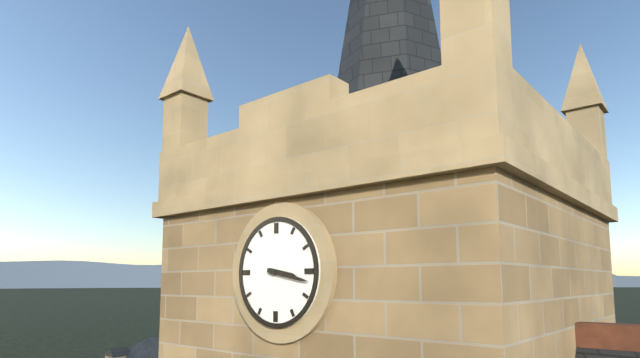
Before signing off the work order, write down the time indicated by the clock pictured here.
3:17
